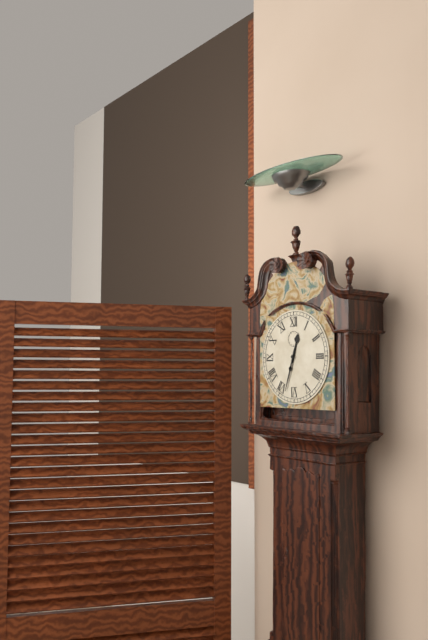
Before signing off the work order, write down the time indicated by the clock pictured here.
12:33
